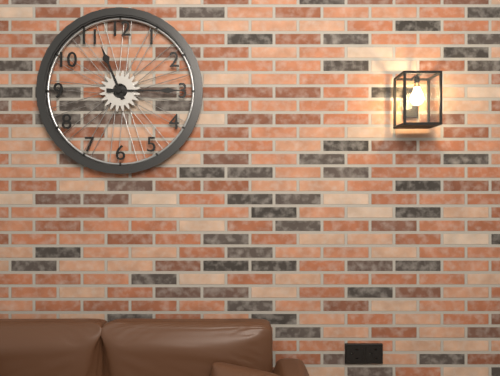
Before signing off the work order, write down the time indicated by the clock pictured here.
11:15
